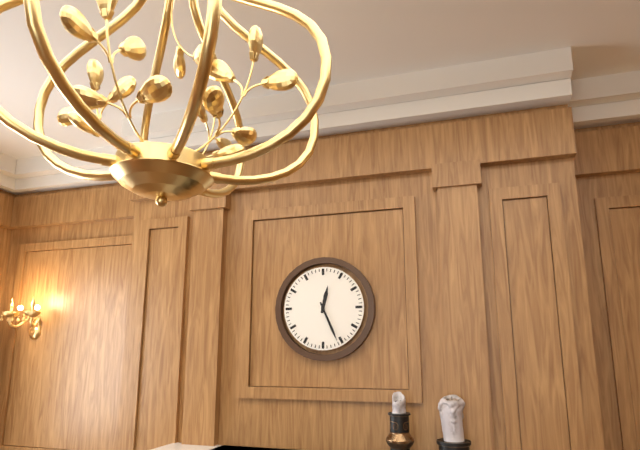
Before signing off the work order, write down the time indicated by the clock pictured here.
12:26
